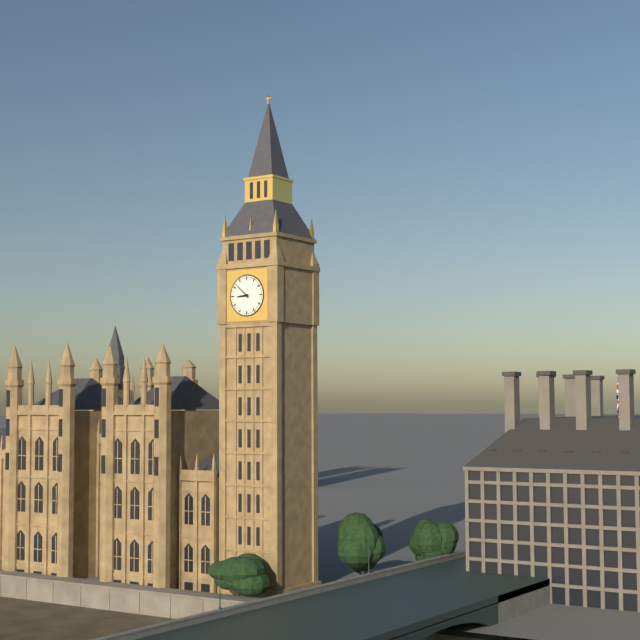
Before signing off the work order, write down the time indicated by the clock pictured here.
8:52
